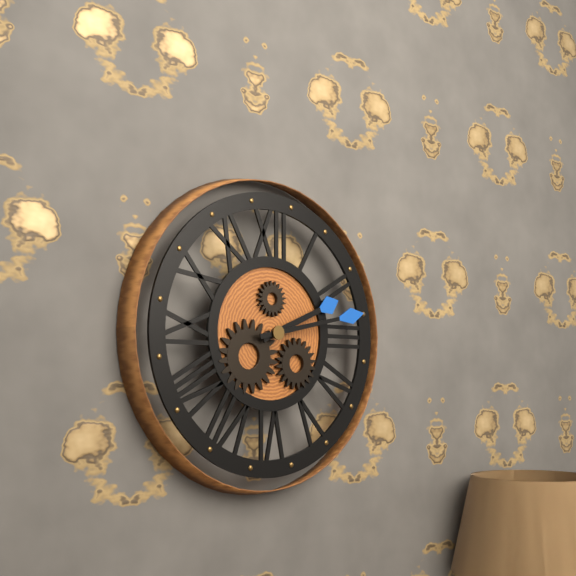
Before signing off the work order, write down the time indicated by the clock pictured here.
2:13
